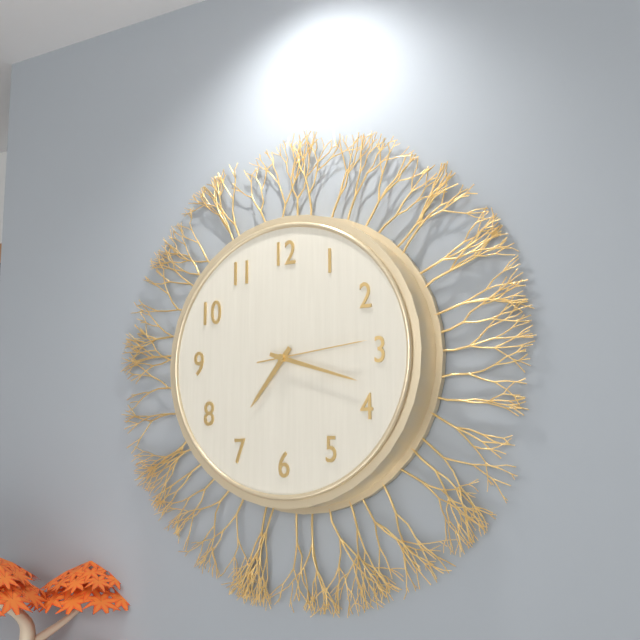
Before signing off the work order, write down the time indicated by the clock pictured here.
7:18:14
